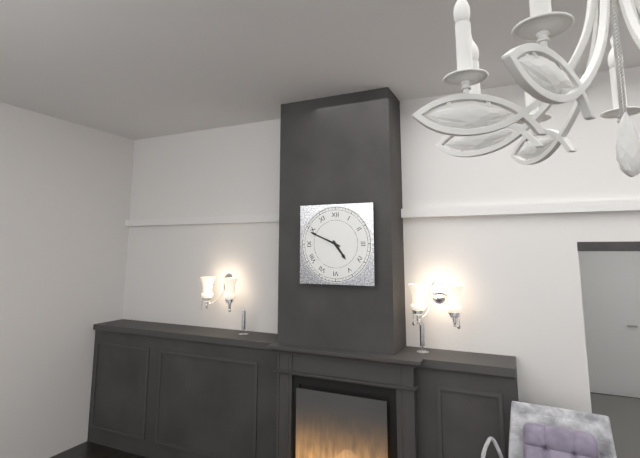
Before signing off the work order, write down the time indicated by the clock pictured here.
4:49
